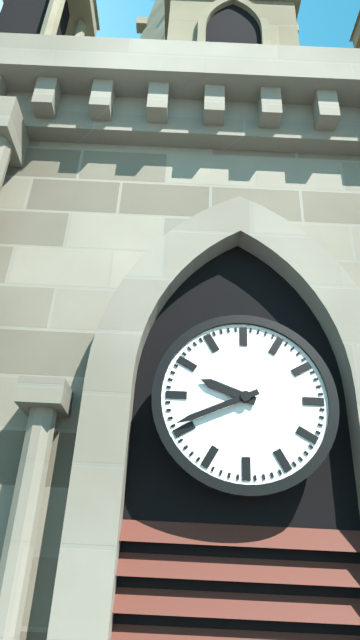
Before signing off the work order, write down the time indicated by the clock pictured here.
9:41
